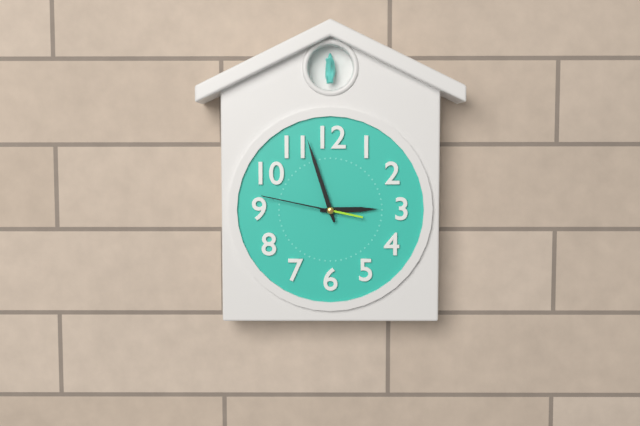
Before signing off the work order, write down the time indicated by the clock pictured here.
2:57:47
